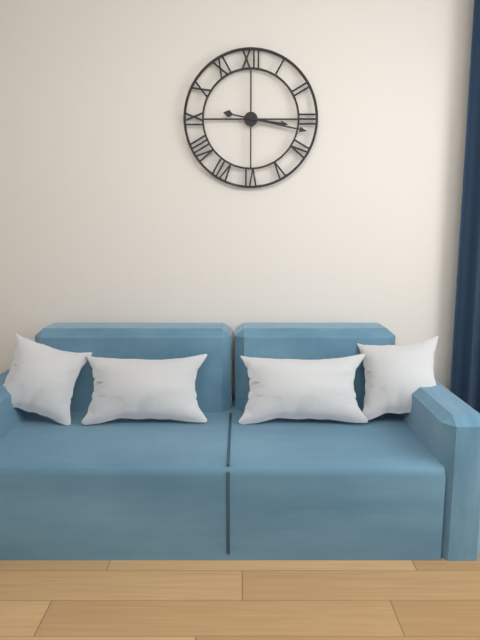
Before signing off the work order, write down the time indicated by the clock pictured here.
3:17
